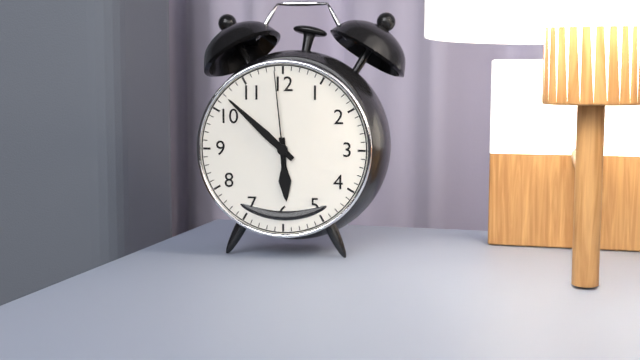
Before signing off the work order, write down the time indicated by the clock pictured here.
5:52:59
